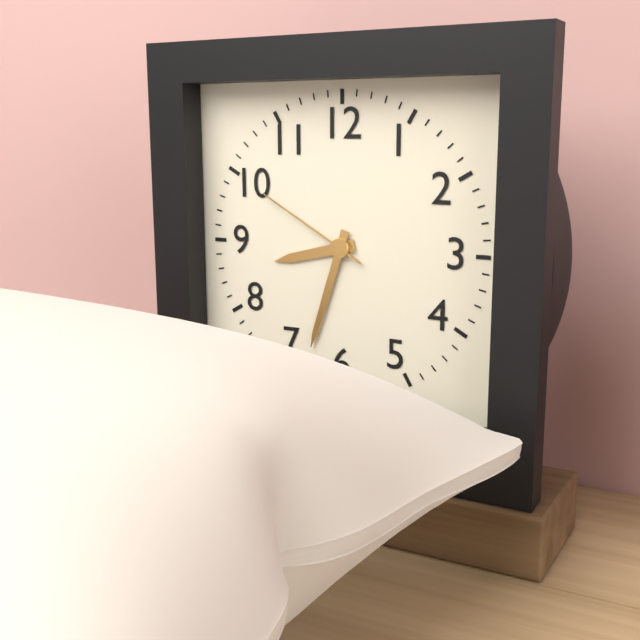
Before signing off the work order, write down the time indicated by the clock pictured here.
8:33:50
